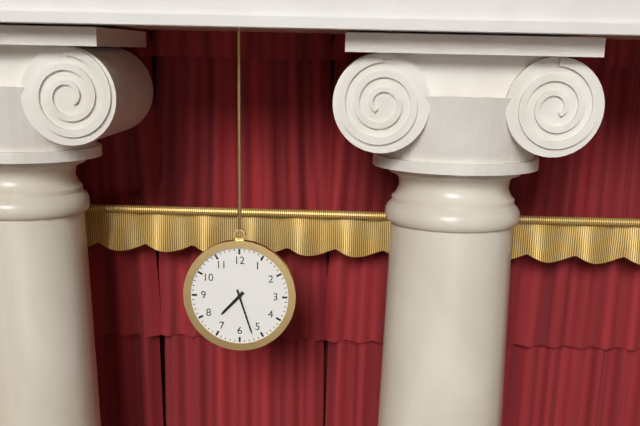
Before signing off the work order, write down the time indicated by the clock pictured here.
7:27
